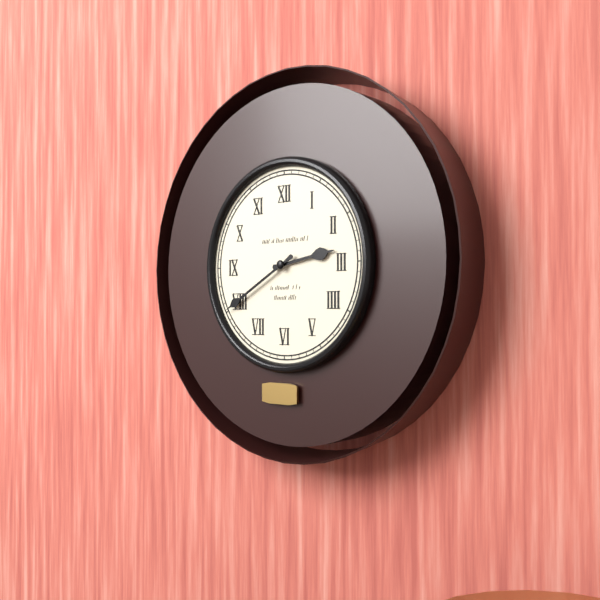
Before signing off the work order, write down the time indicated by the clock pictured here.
2:40
